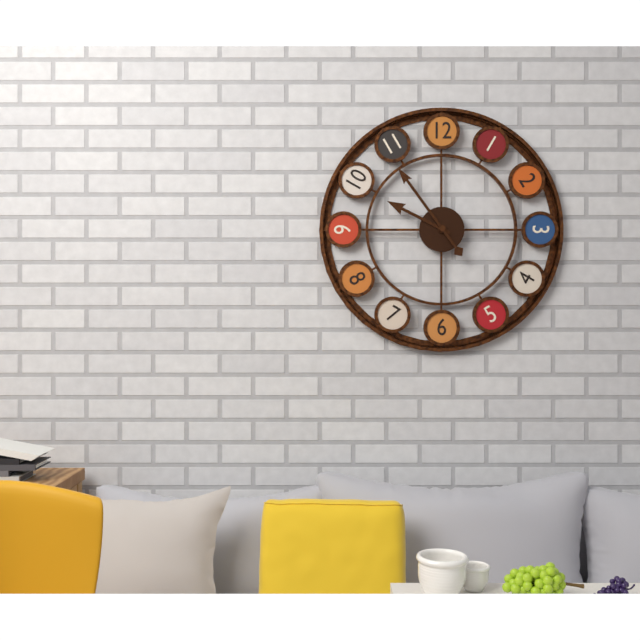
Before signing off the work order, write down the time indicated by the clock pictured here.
9:54
